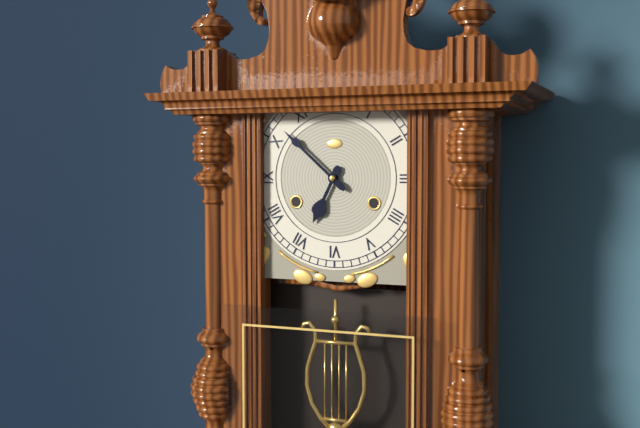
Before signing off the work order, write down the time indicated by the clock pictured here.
6:52
